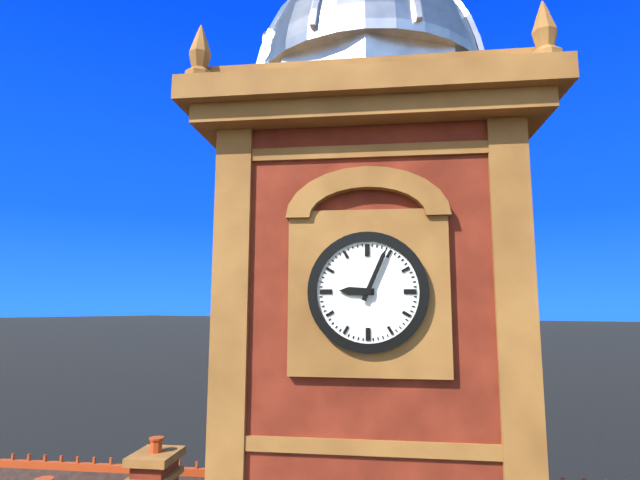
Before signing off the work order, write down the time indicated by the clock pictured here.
9:04
